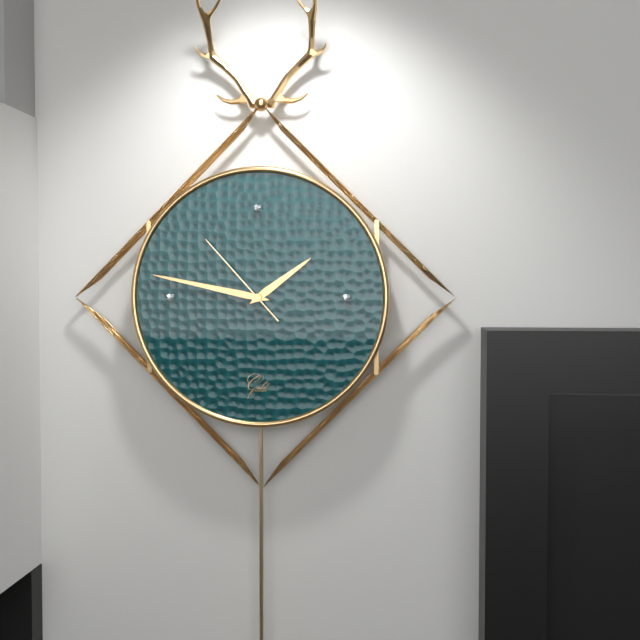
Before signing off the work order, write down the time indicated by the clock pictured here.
1:47:53
